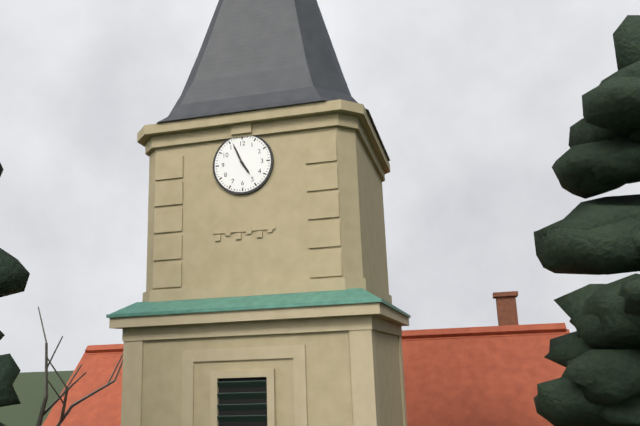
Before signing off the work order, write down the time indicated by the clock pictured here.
4:56
